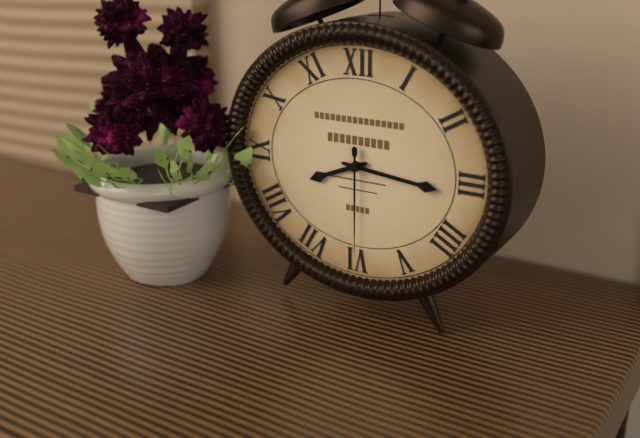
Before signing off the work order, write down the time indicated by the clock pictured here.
8:16:30
